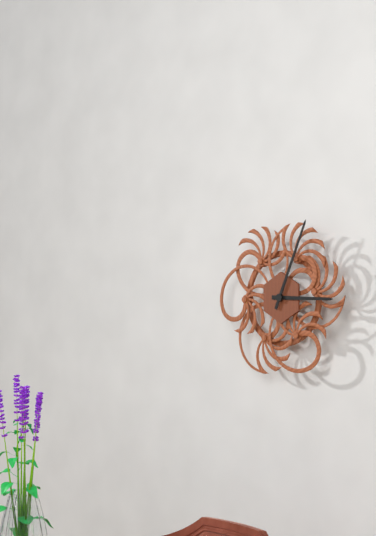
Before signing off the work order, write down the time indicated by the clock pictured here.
3:04
